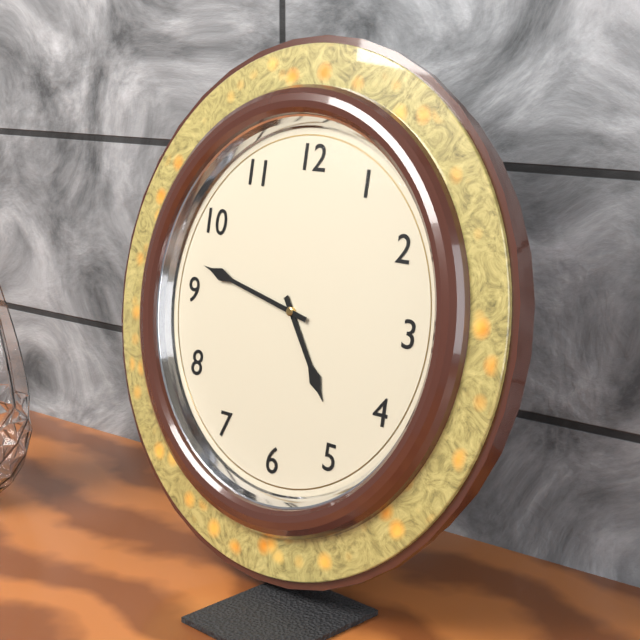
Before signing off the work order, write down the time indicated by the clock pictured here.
4:47
